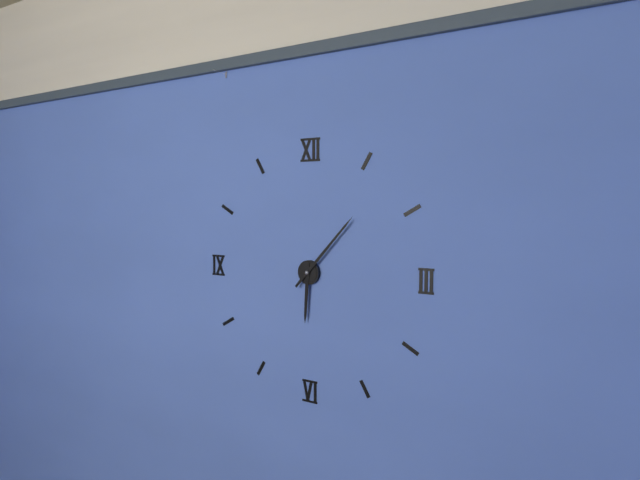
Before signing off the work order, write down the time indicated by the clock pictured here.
6:07
